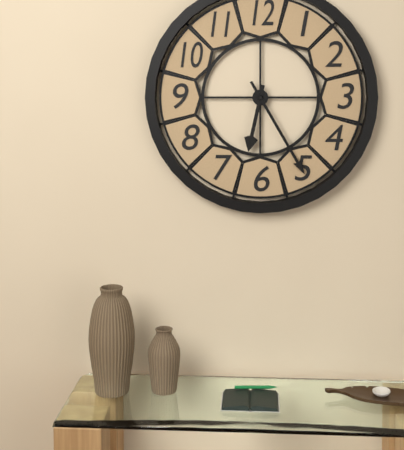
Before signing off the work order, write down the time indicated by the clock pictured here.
6:25
